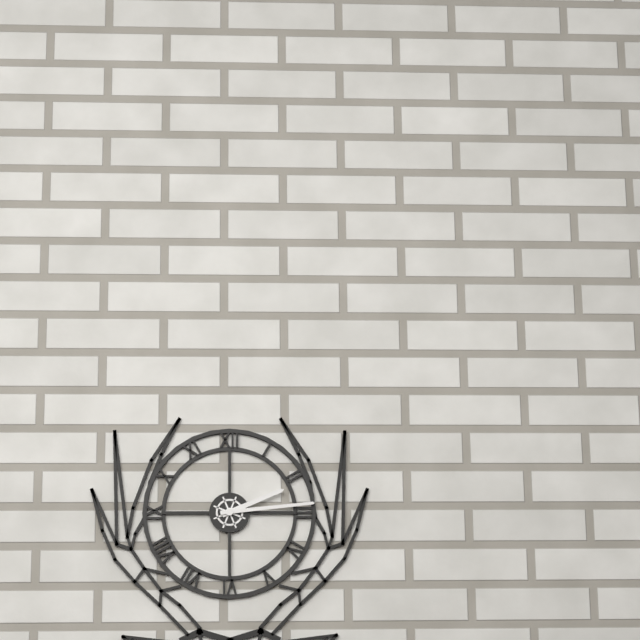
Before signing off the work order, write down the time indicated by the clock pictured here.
2:14
